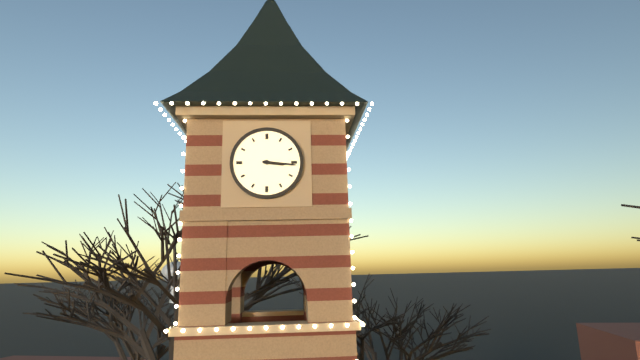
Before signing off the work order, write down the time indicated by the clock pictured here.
3:16
